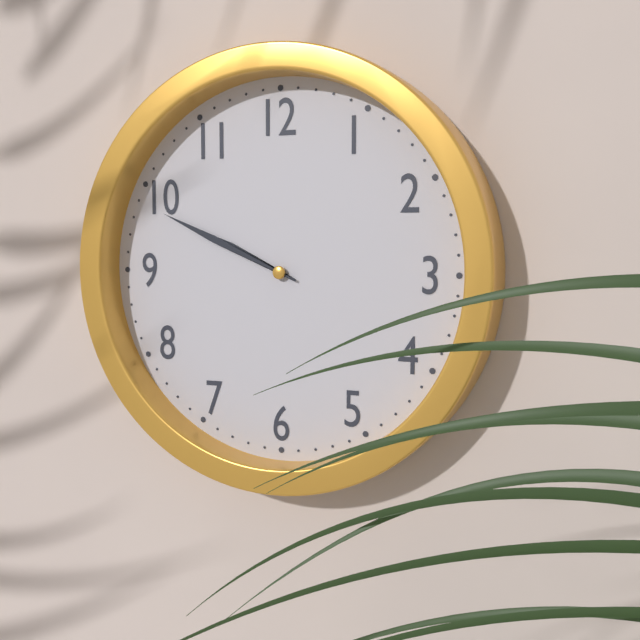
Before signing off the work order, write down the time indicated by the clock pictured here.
9:49
